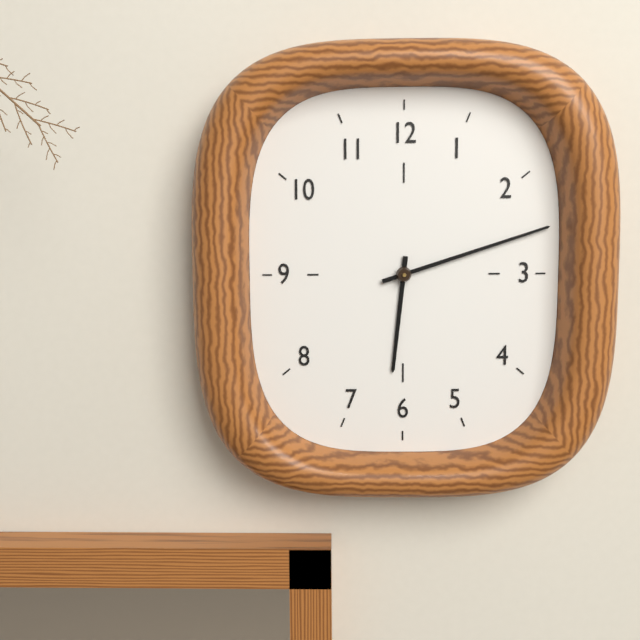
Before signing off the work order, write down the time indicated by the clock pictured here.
6:12
